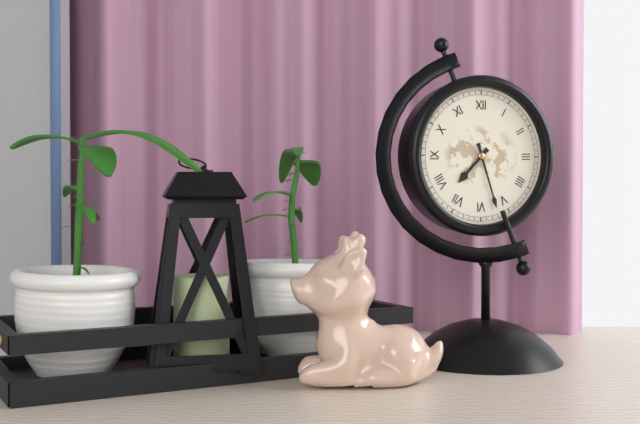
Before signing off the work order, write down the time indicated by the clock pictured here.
7:27
